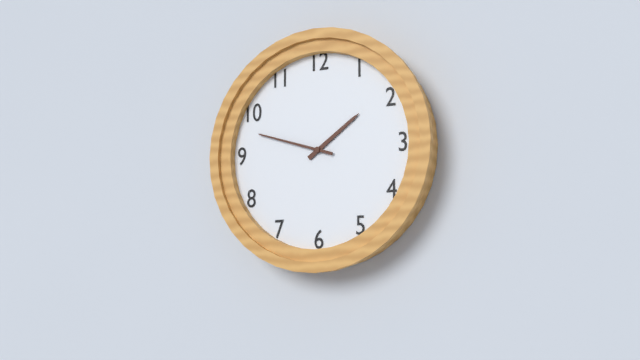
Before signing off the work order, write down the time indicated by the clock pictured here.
1:48
